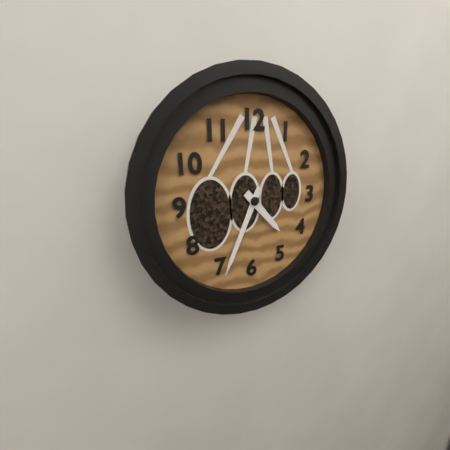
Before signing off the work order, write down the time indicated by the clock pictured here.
4:34
